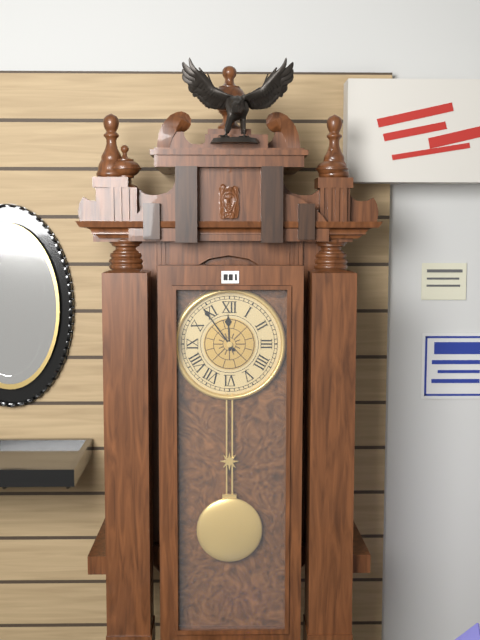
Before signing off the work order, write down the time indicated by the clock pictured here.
11:54
